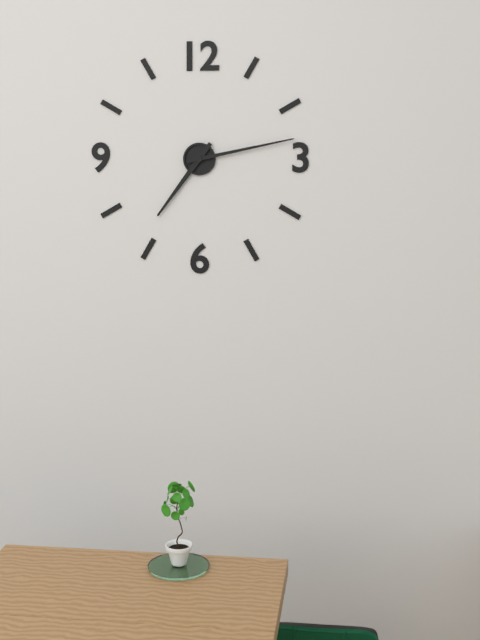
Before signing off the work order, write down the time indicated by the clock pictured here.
7:13
